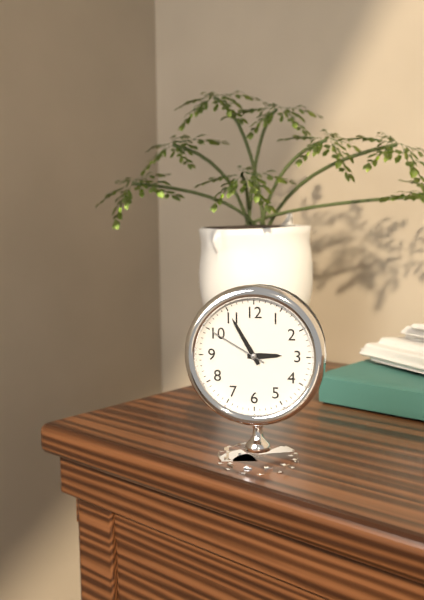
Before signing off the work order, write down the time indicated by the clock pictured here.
2:55:50
